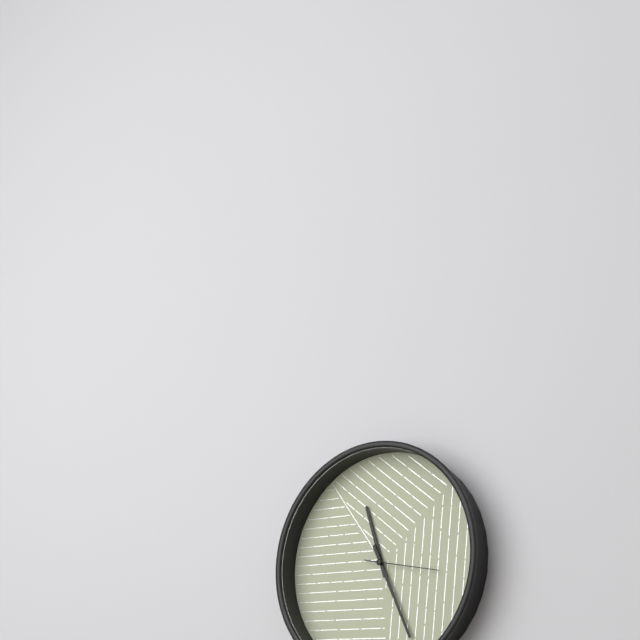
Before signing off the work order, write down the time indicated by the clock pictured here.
11:26:17
